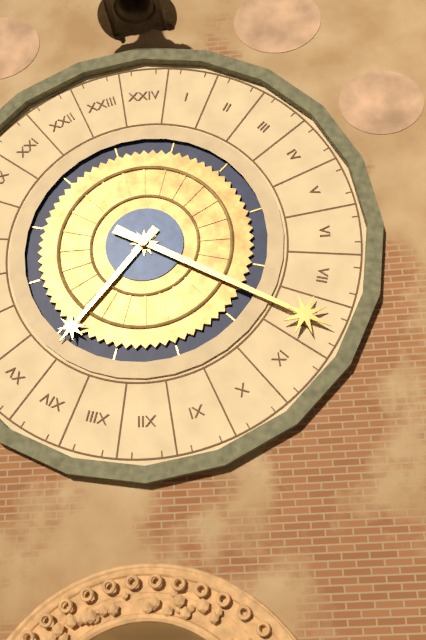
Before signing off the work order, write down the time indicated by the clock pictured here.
7:20
